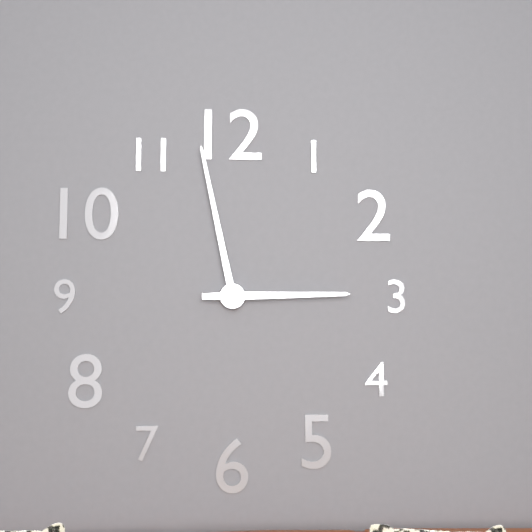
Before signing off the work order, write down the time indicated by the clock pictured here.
2:58
